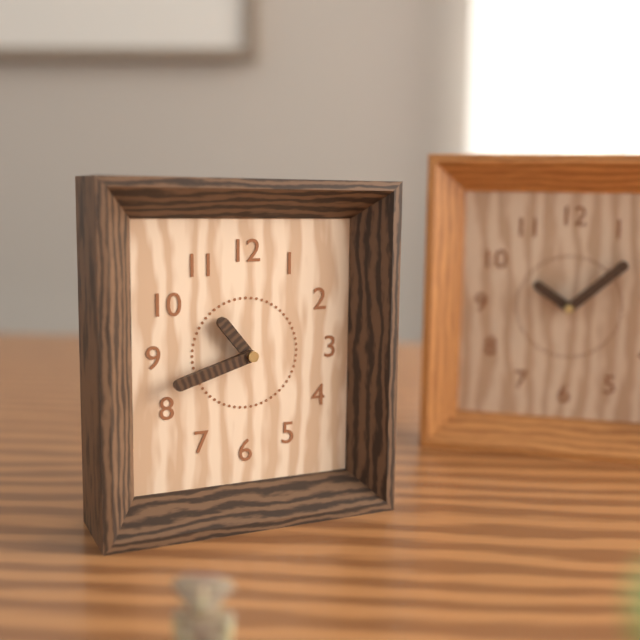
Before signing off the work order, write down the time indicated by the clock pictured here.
10:42
